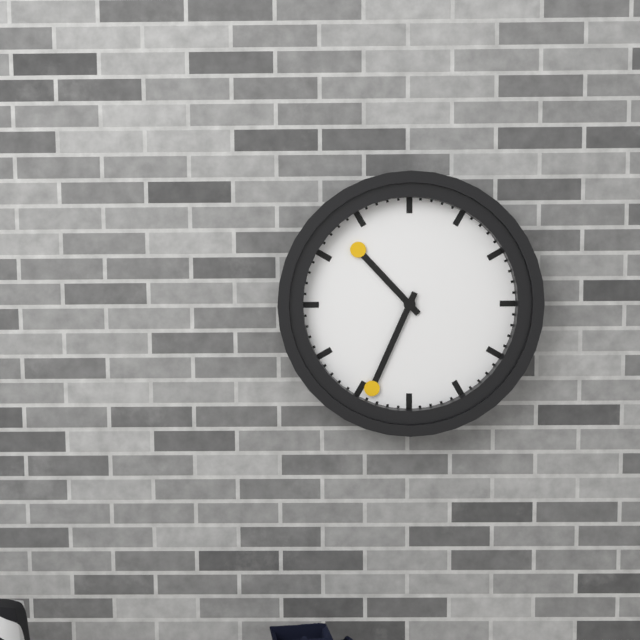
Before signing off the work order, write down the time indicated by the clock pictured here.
10:34
